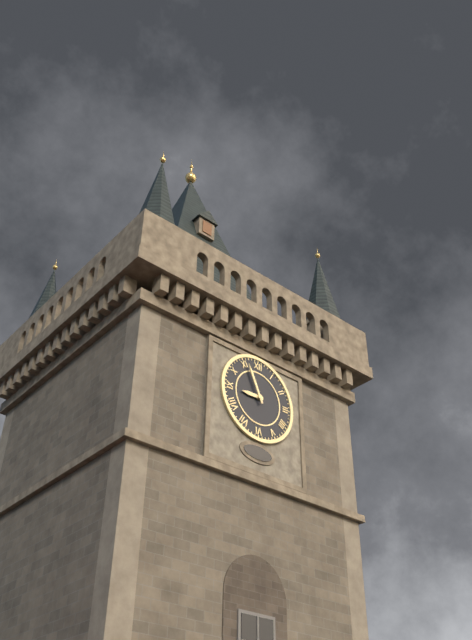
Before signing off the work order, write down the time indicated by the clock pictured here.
8:56
